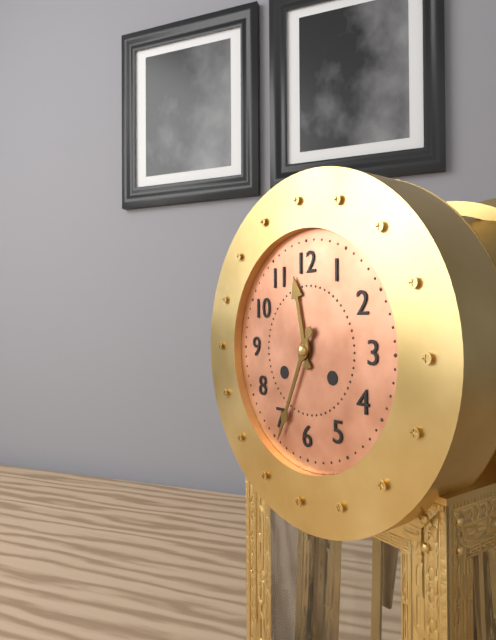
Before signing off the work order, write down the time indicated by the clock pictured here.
11:34
